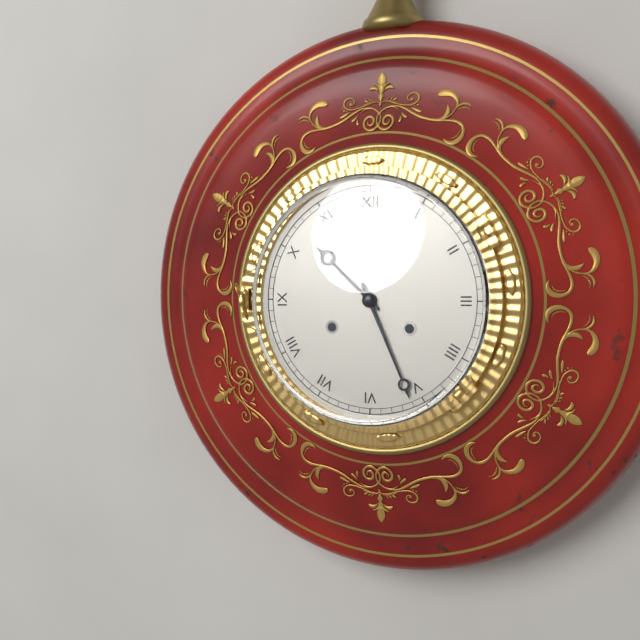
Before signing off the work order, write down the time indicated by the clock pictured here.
10:26
